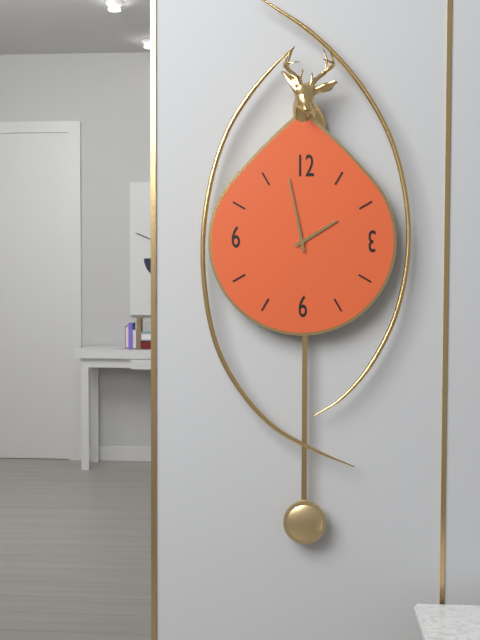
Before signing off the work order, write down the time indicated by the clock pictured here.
1:58
